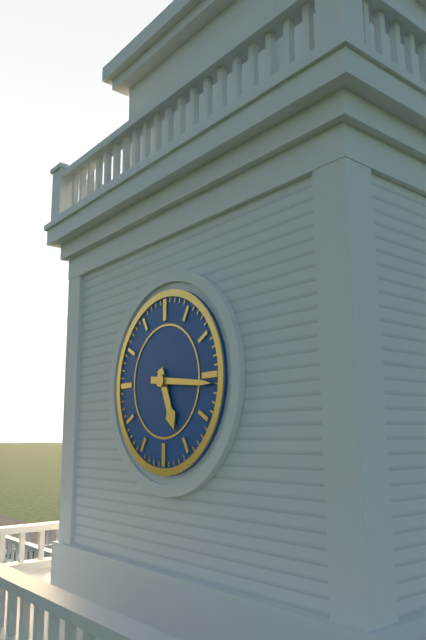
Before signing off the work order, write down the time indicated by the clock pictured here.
5:16
